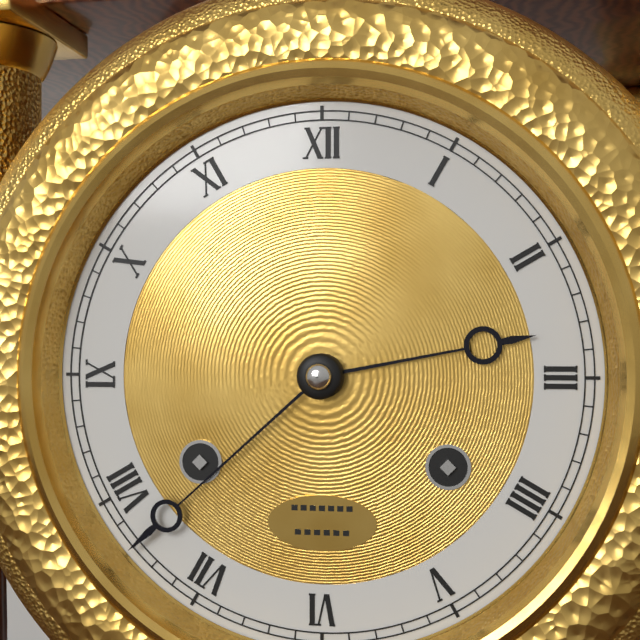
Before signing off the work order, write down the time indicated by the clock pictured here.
2:38
